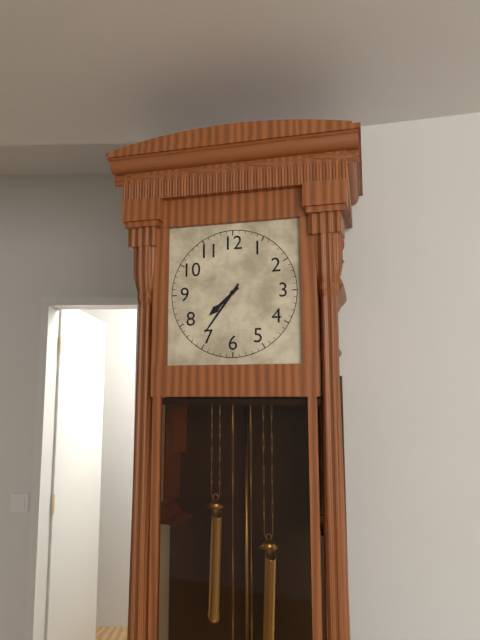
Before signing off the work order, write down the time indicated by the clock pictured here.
7:36
